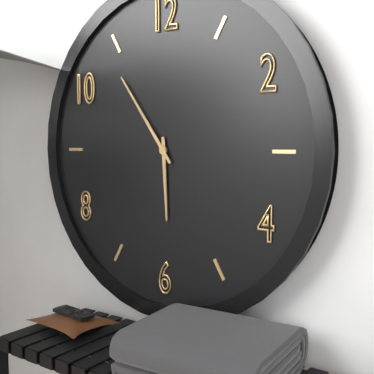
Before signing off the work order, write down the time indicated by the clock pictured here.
5:54
